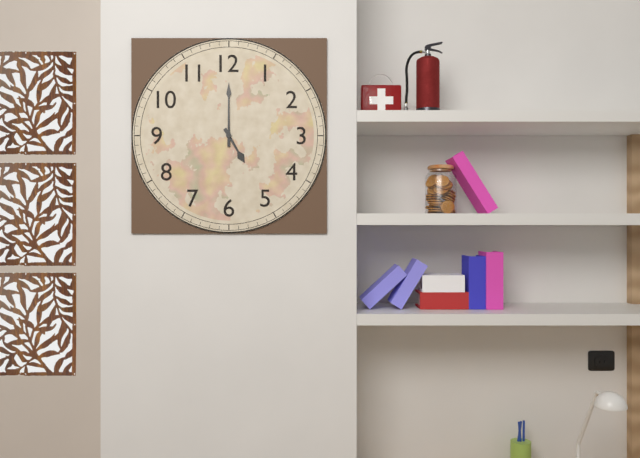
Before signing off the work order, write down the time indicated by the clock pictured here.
5:00
